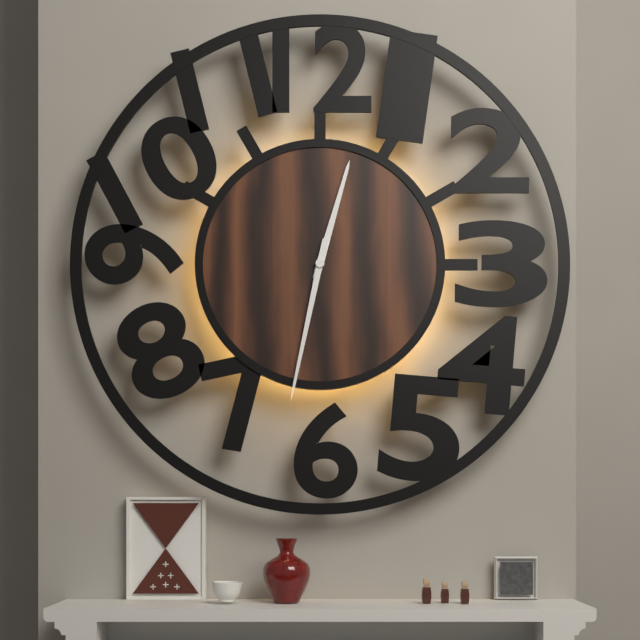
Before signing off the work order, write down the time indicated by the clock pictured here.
12:32
